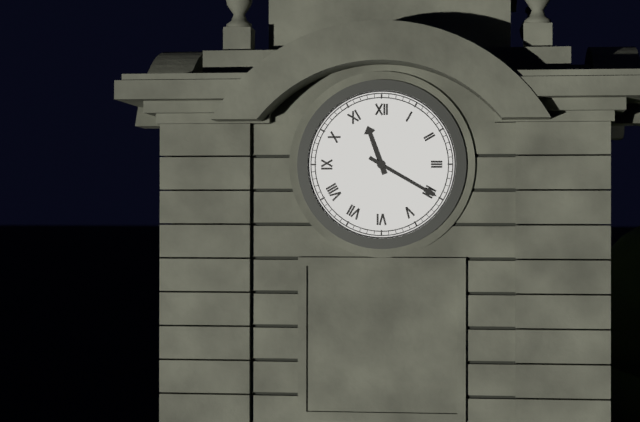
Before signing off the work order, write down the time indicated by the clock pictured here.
11:20
